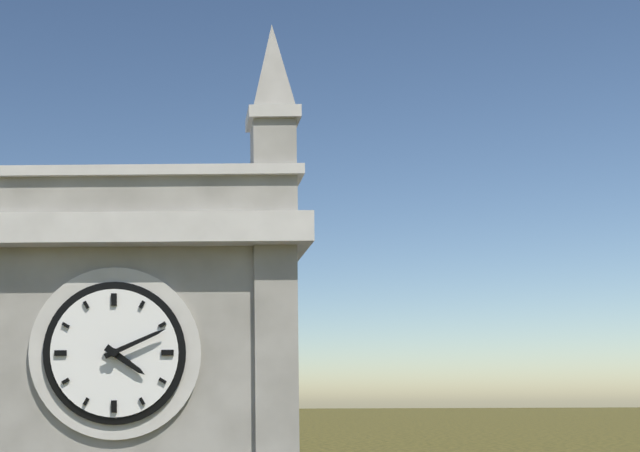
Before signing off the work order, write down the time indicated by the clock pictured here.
4:11
